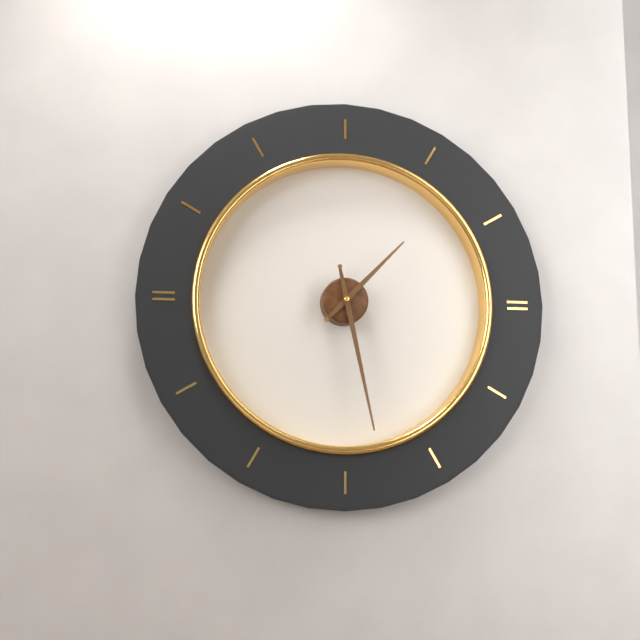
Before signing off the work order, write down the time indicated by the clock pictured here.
1:28
